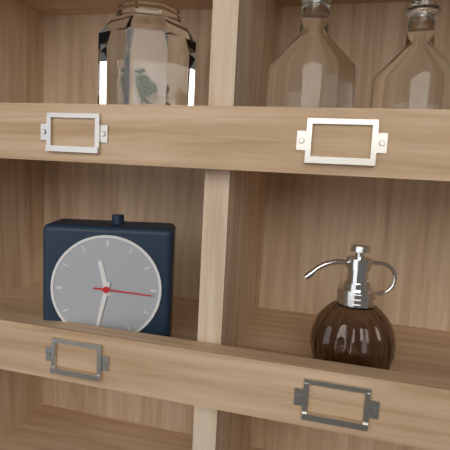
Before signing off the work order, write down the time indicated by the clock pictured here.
11:32:16
